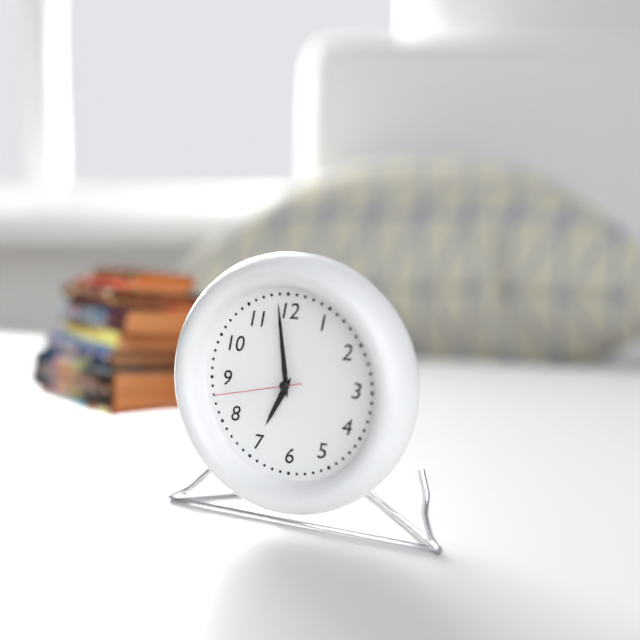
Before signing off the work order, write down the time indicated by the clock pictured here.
6:59:43
